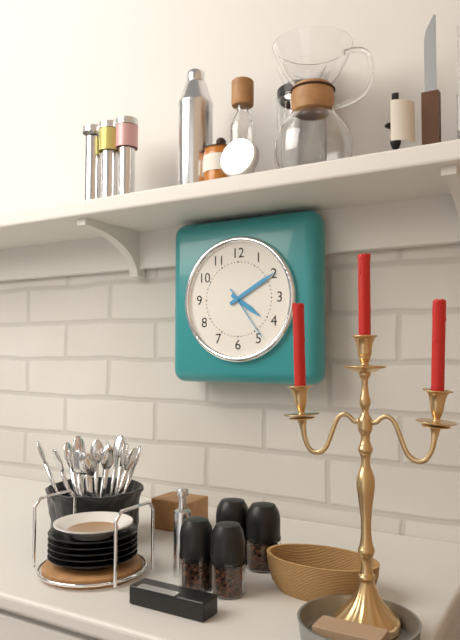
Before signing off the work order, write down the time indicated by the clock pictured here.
4:10
